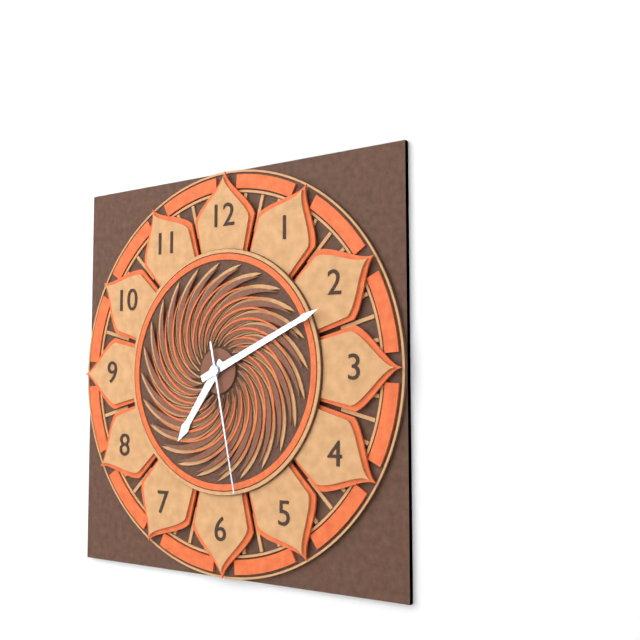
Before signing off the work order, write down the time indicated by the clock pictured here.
7:11:28
